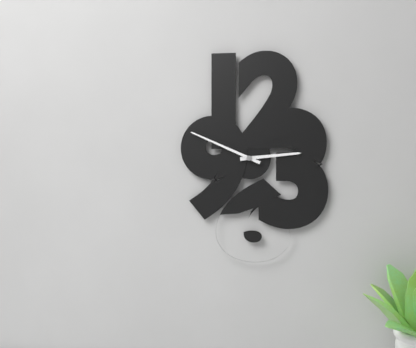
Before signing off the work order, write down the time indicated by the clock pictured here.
2:49
